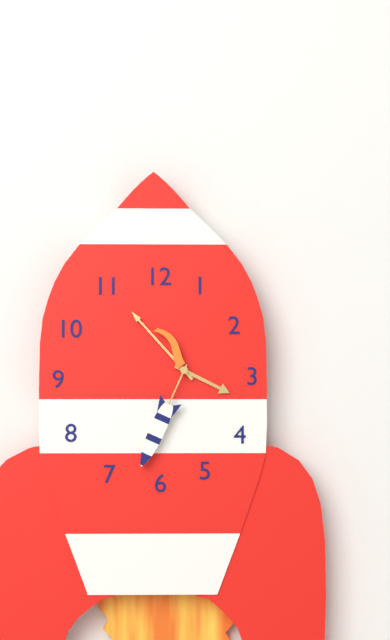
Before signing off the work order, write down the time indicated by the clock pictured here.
3:53:34
